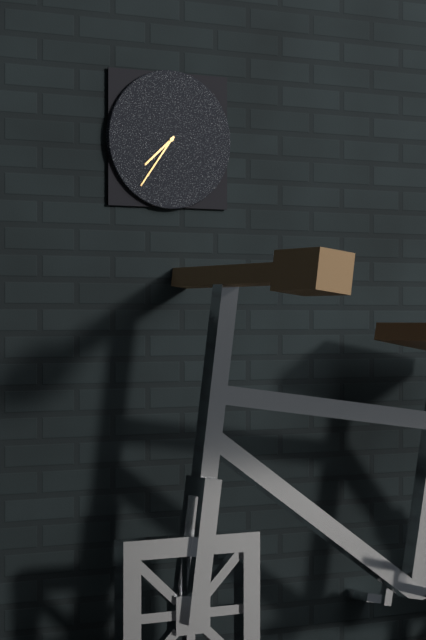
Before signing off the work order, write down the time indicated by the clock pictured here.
7:36
